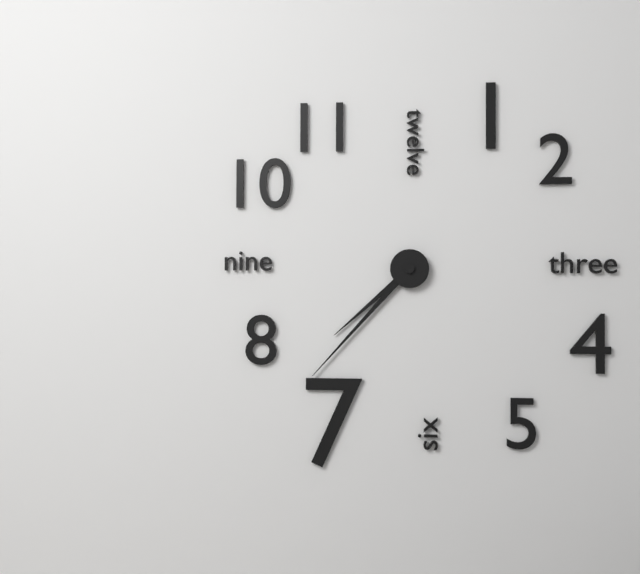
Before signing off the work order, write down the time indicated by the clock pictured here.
7:37
